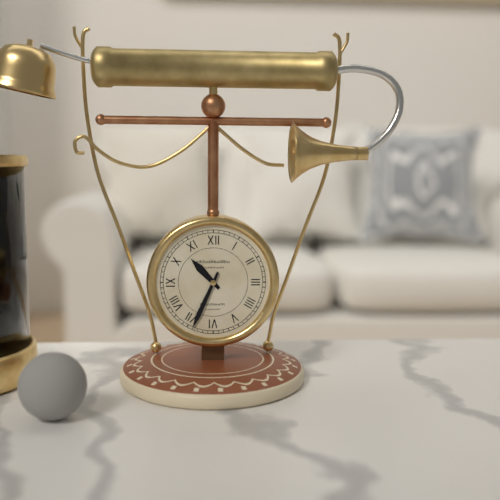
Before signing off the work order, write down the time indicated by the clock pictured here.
10:34
